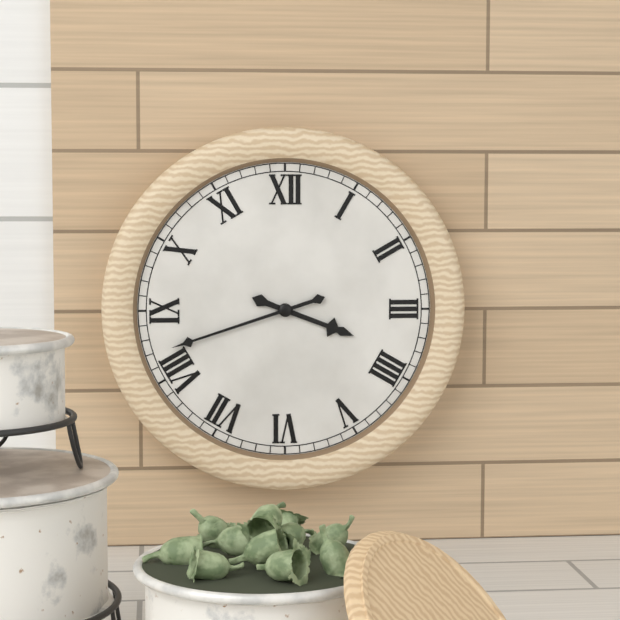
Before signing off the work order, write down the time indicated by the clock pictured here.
3:42
